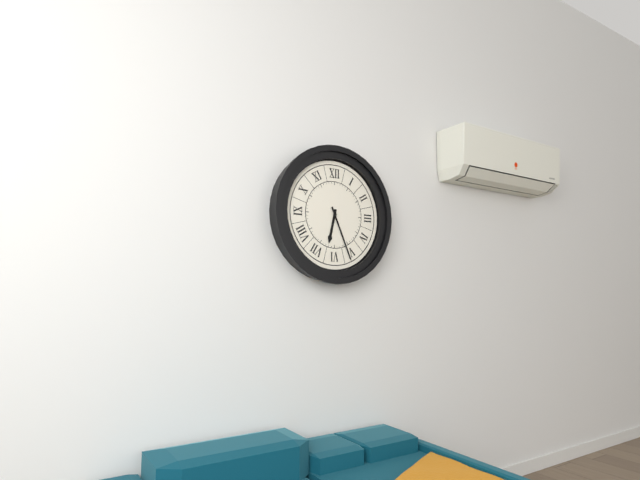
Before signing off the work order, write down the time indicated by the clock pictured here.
6:26
